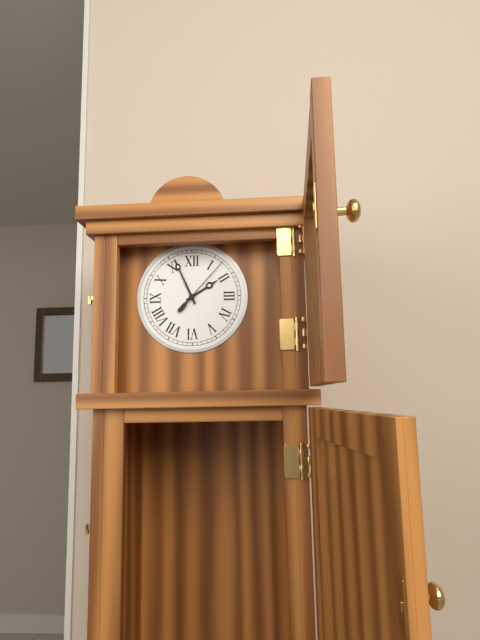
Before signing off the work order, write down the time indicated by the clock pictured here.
1:56:07
